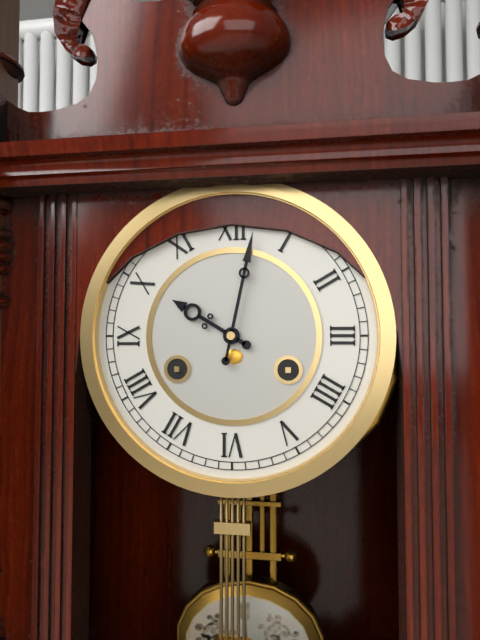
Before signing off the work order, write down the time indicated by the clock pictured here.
10:02
